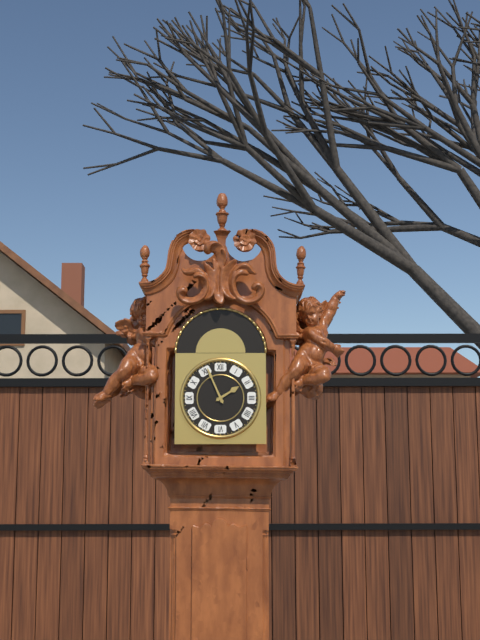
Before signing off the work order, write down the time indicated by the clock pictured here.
1:56
